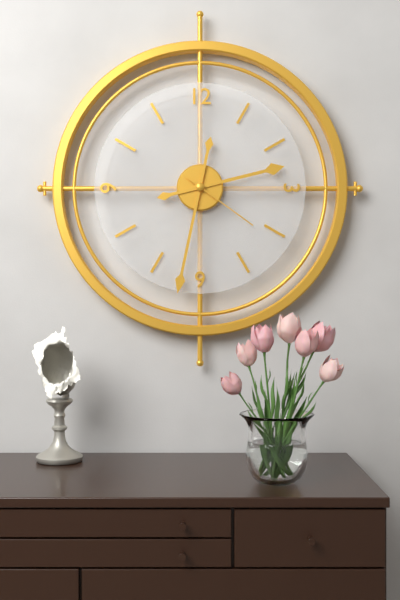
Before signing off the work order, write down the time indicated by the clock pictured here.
2:32:21
